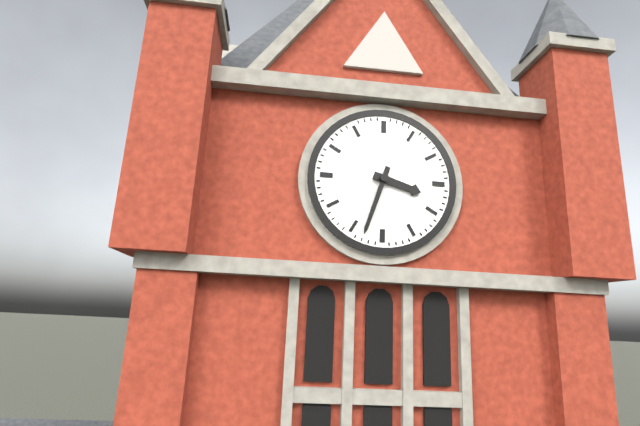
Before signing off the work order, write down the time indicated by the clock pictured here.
3:33
